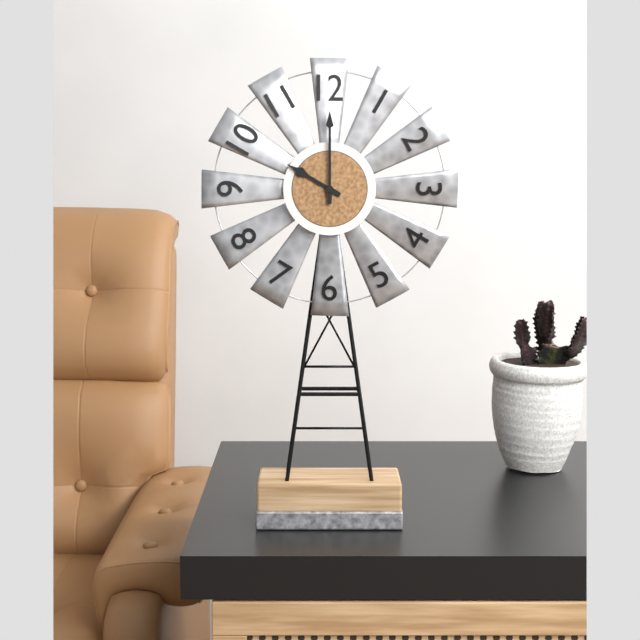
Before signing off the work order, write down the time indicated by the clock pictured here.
10:00
